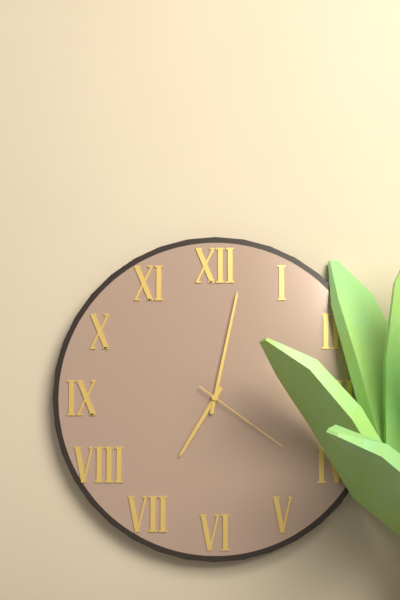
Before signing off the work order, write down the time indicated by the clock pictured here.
7:02:21
